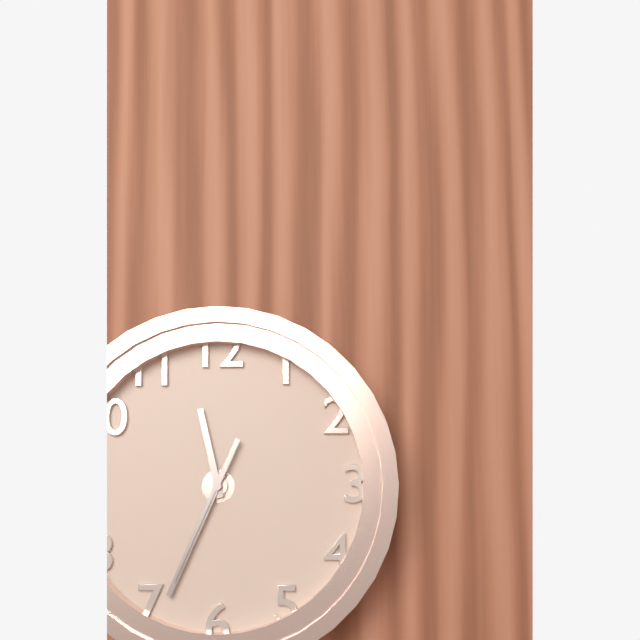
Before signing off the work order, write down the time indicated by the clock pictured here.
11:34:34
